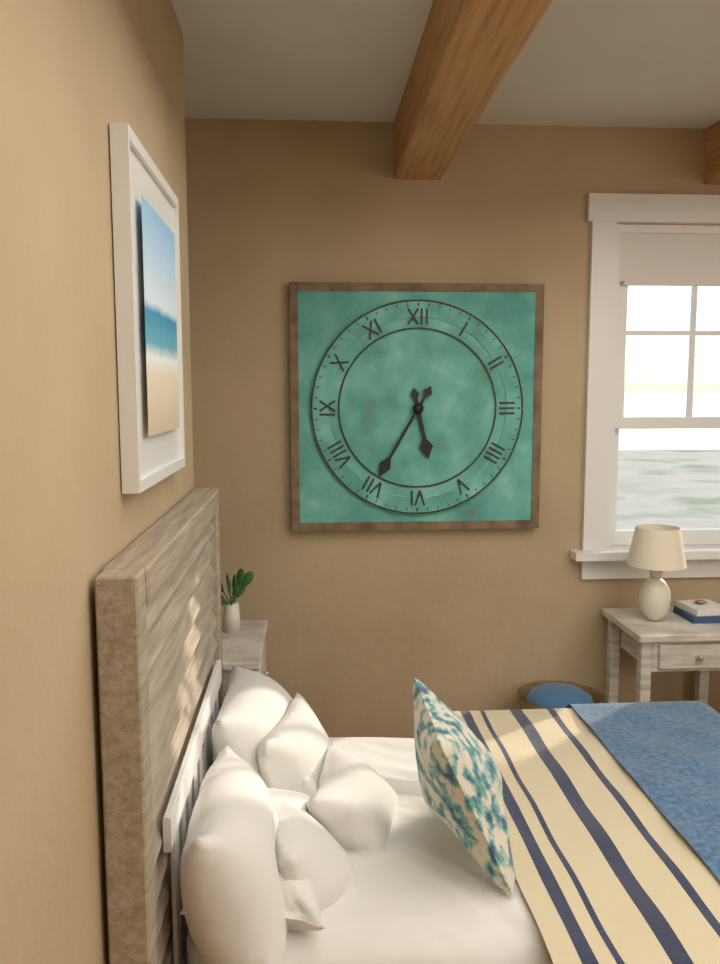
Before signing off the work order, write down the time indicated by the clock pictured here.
5:35
